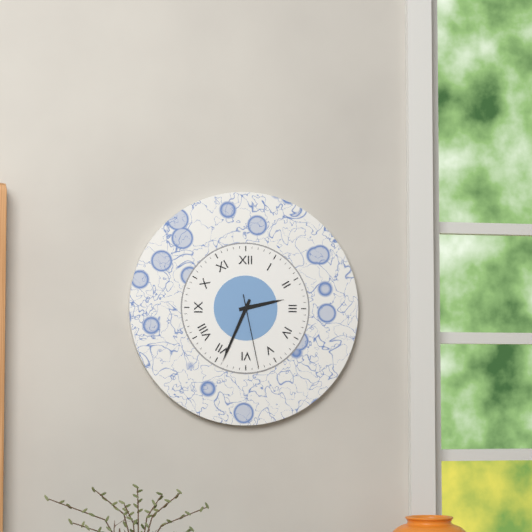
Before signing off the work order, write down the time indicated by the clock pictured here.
2:34:28
